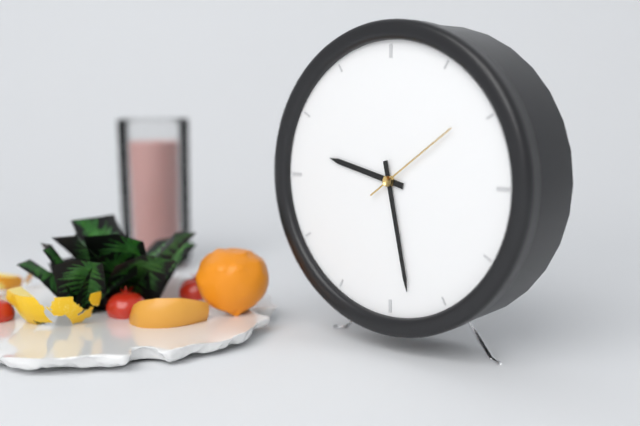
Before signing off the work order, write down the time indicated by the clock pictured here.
9:28:09
